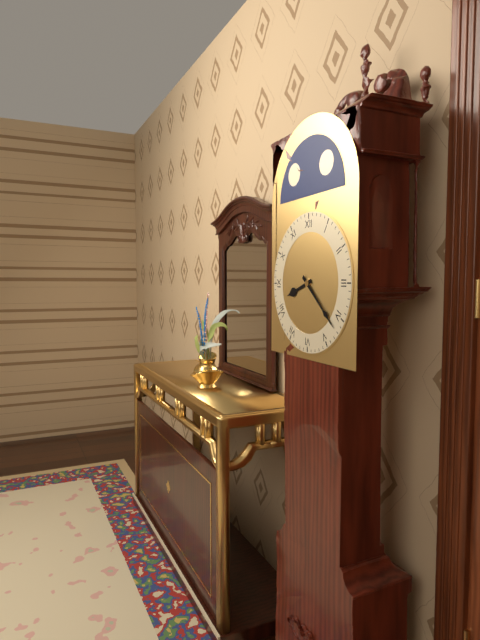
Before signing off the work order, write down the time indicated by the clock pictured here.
8:22
